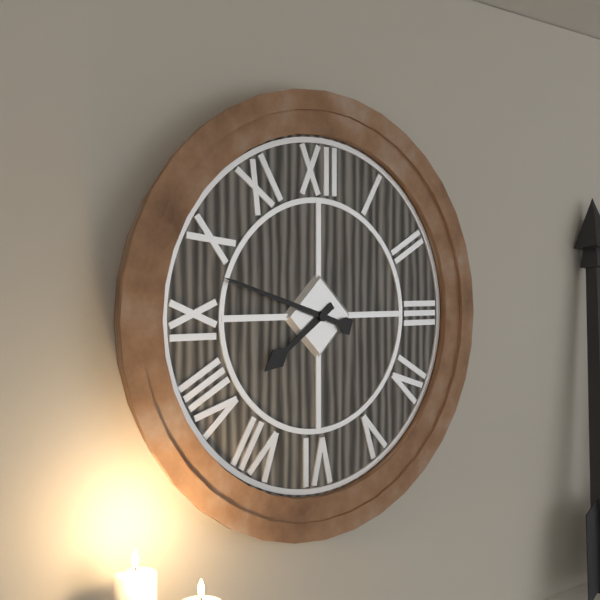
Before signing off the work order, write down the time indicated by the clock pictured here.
7:48
